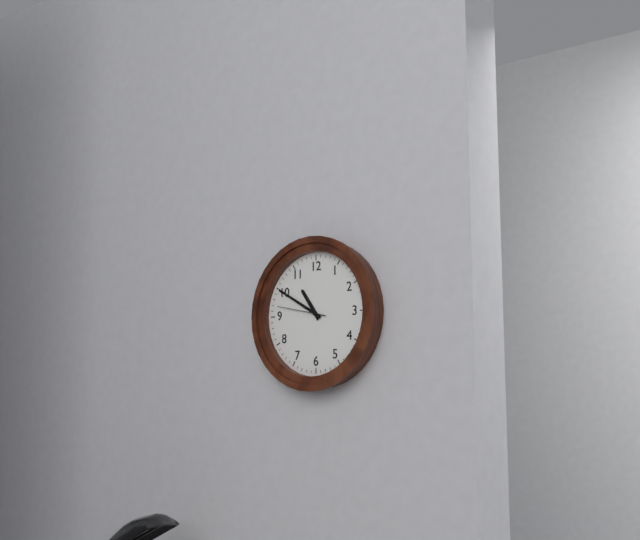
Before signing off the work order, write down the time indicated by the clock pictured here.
10:50
